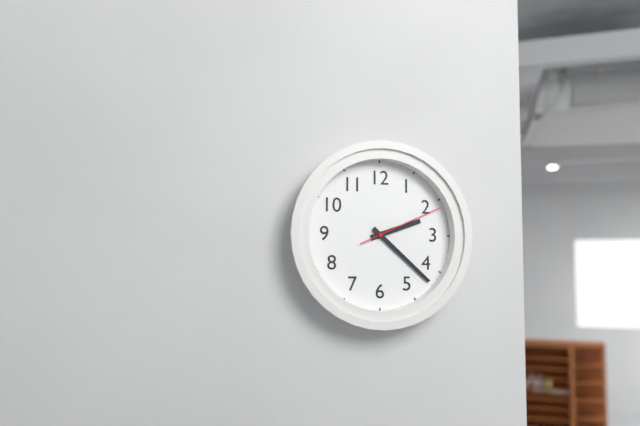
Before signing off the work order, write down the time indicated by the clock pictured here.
2:22:11
